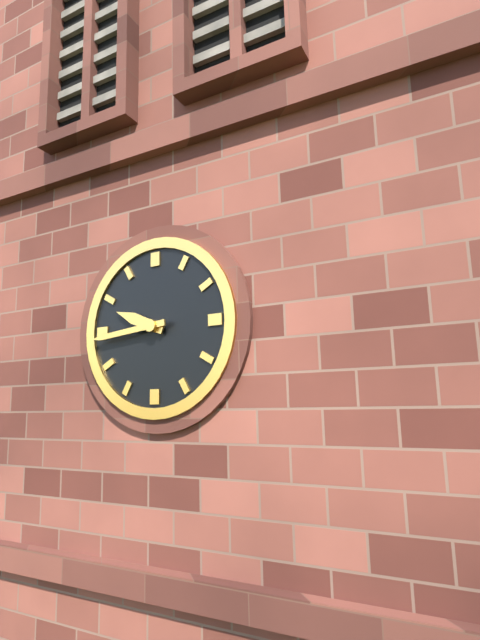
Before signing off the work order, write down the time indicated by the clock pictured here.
9:44
